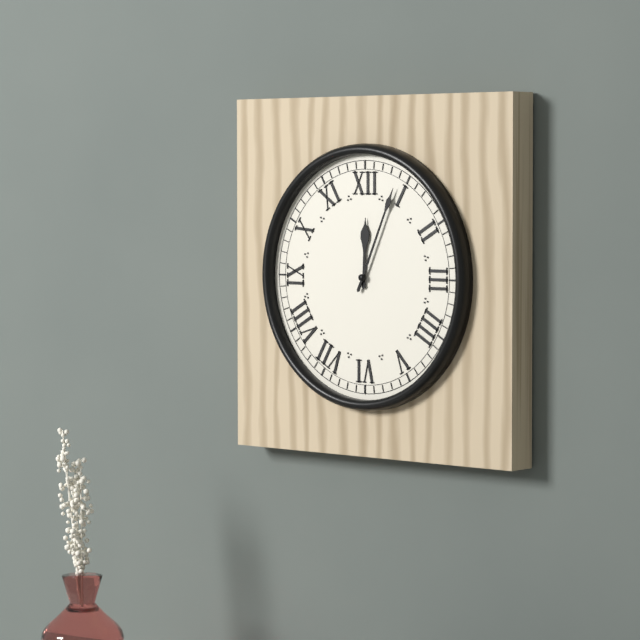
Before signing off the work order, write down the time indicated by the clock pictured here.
12:04
